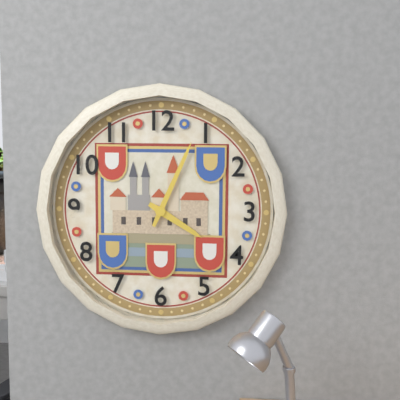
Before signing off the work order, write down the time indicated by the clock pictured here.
4:04
